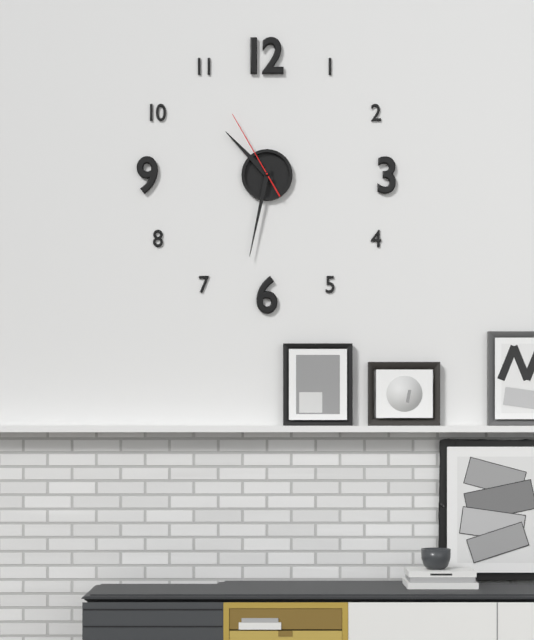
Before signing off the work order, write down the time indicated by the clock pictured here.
10:32:55
